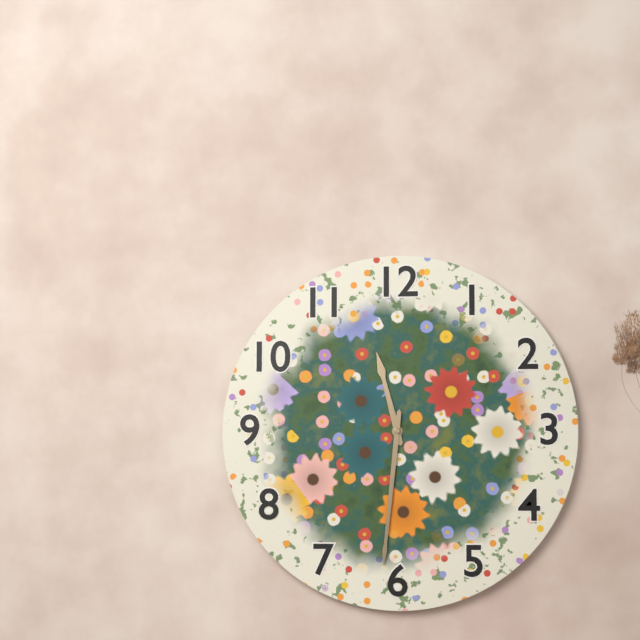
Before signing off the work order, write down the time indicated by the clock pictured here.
11:31
